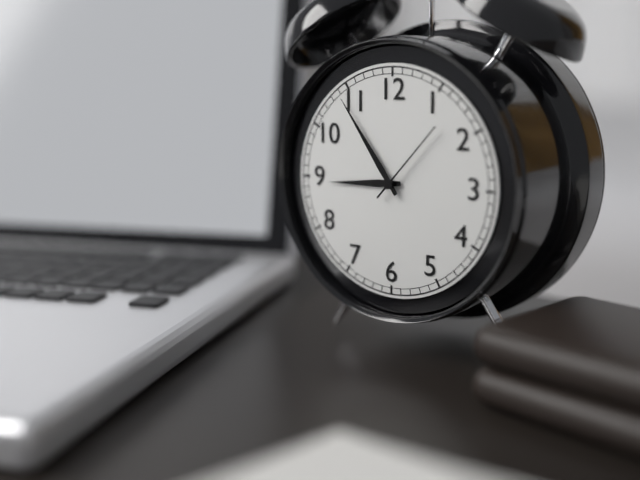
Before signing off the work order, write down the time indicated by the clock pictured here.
8:54:07
